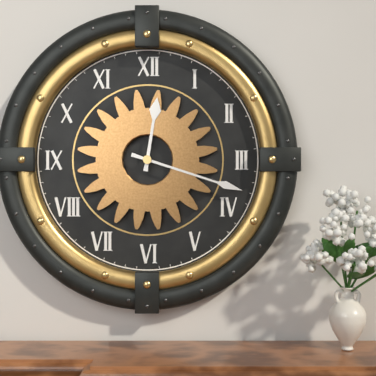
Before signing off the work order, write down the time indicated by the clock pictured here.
12:18
